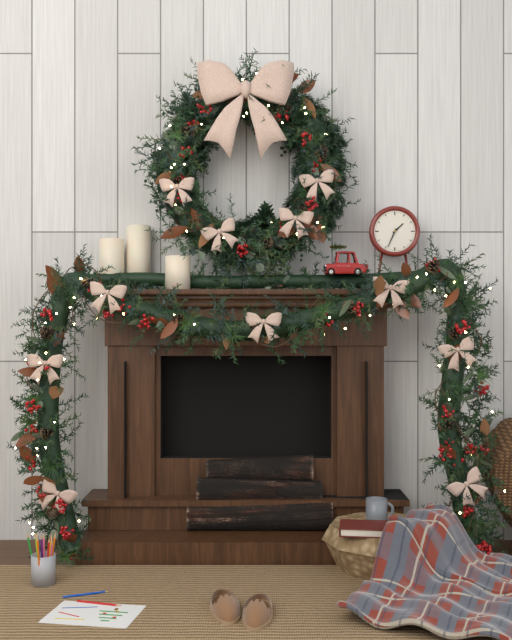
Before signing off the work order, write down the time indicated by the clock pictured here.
1:34
